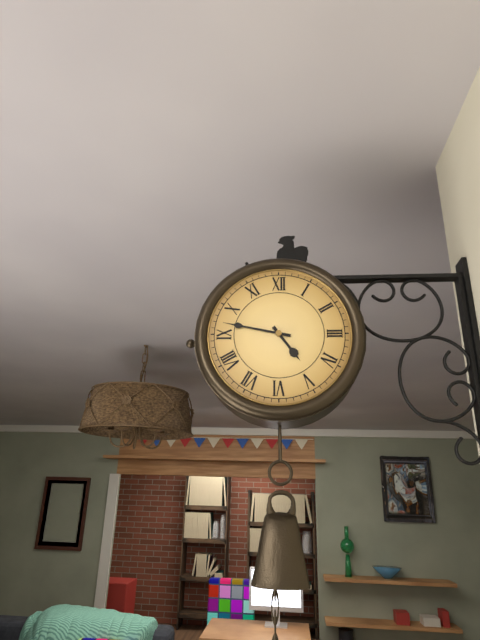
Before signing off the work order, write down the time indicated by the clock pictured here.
4:47
